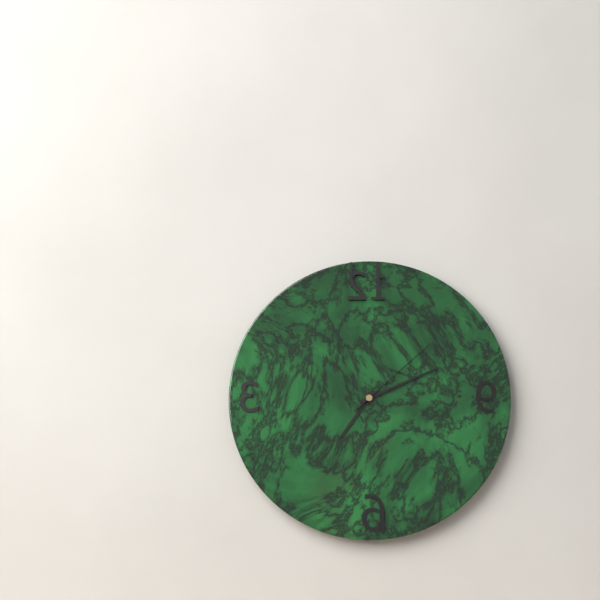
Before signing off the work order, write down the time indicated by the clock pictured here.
7:11:08
